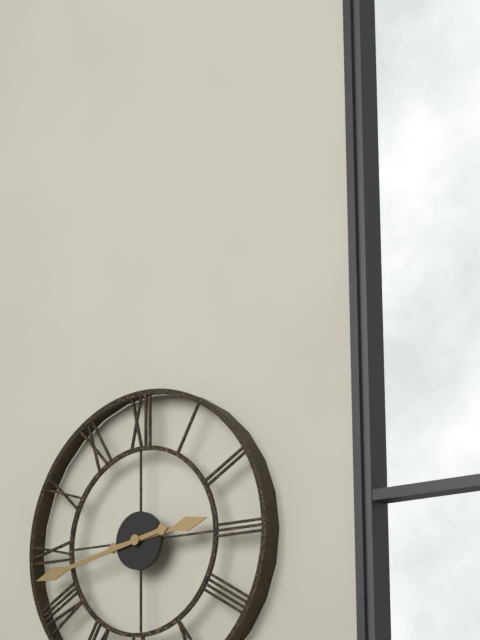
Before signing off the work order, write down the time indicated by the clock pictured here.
2:43
